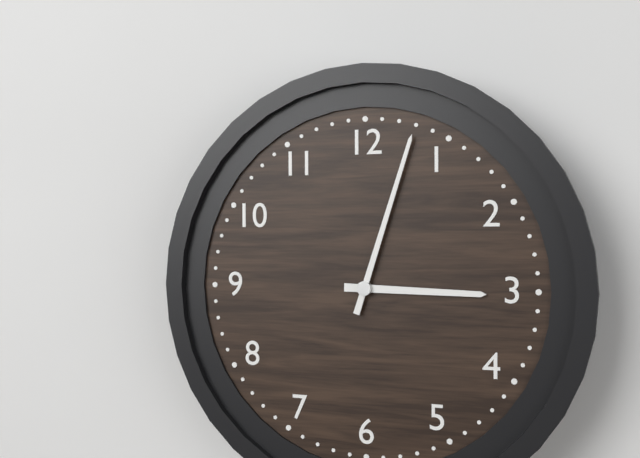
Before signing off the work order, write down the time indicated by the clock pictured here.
3:03
